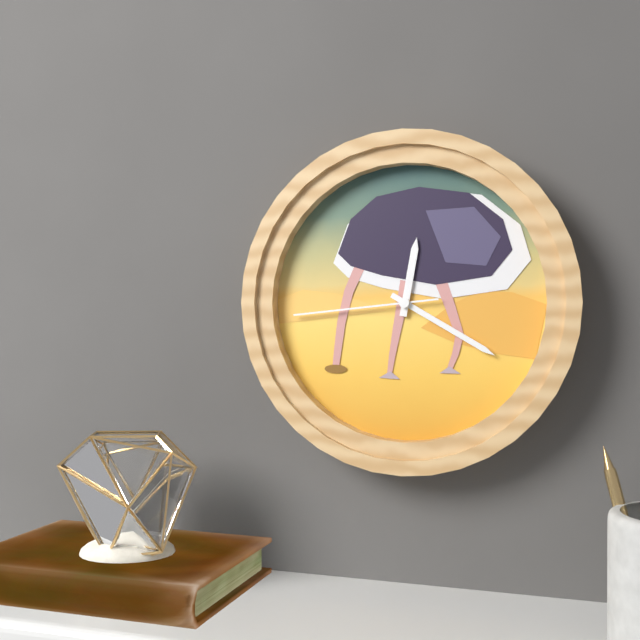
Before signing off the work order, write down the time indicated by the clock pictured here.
12:20:44
